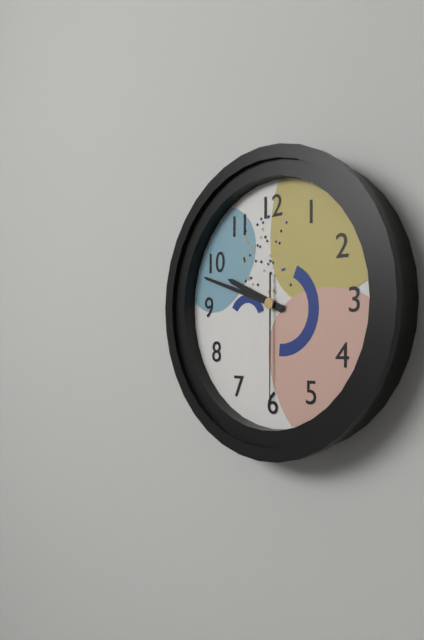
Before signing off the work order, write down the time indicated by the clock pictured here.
9:48:30
